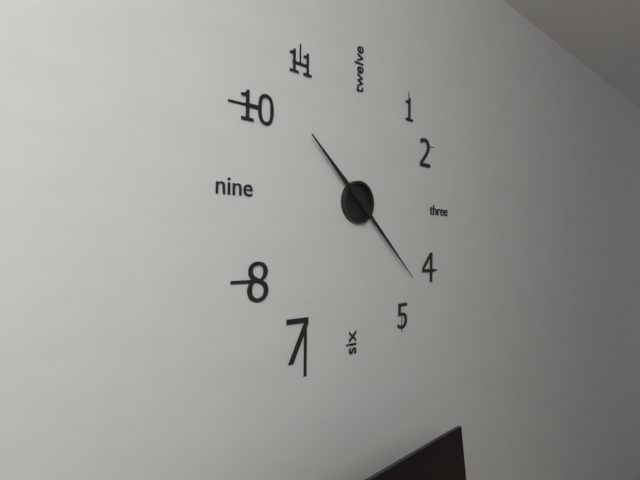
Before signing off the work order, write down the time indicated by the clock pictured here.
10:22
